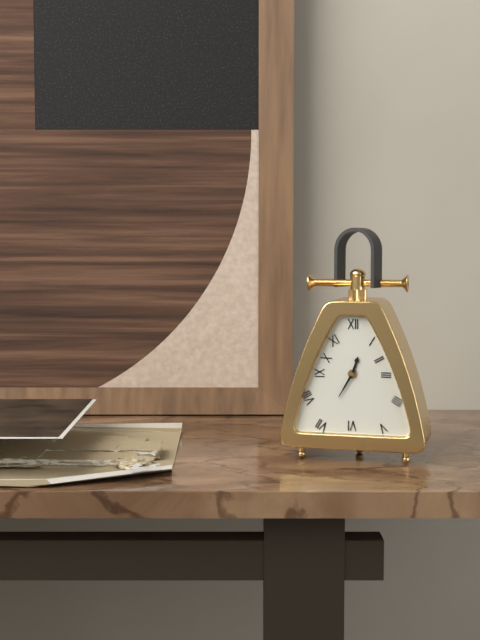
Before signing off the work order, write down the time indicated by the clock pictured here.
12:35
